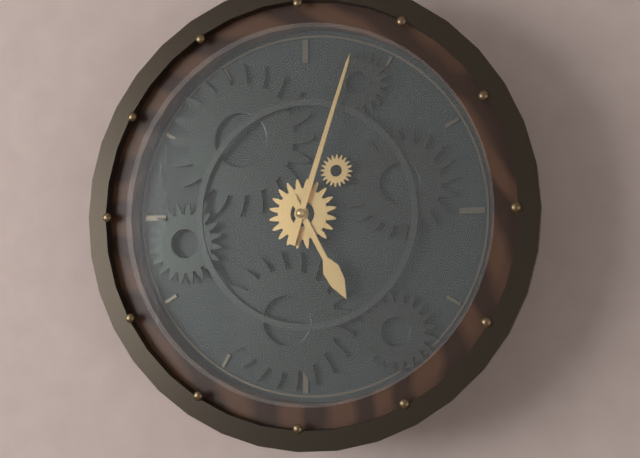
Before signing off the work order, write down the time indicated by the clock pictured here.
5:03
